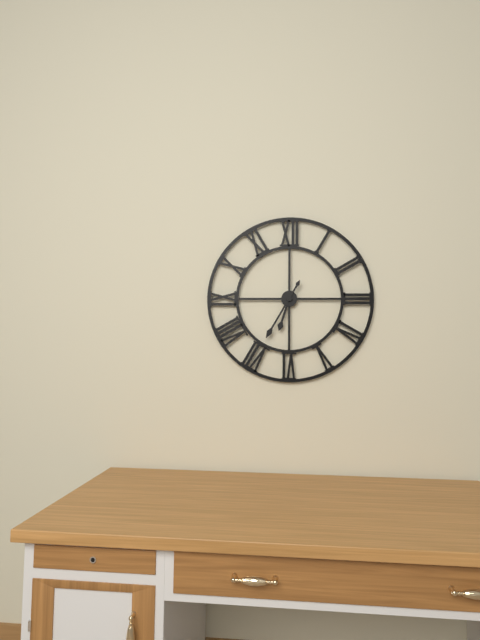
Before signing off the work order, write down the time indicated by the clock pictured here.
6:35
